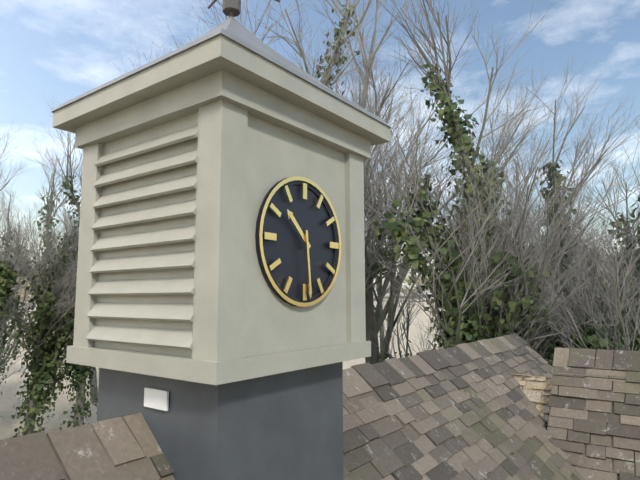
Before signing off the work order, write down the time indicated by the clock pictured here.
10:29
